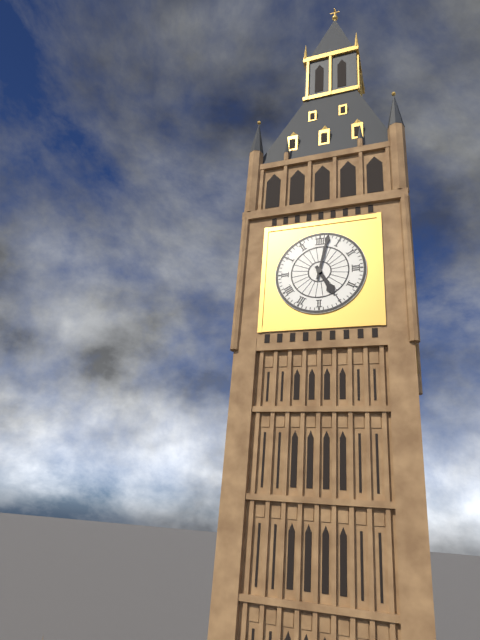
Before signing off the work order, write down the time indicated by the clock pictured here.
5:02
